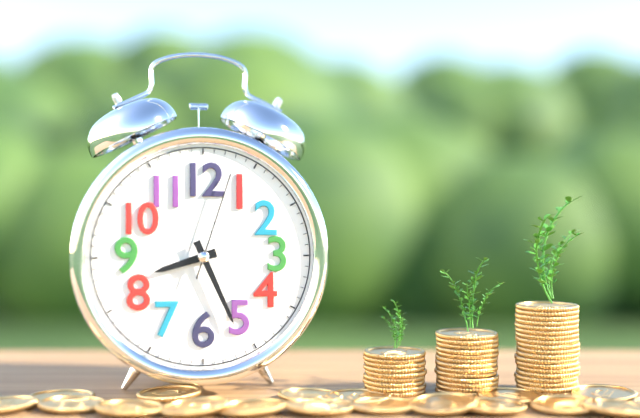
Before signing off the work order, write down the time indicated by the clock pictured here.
8:26:03
